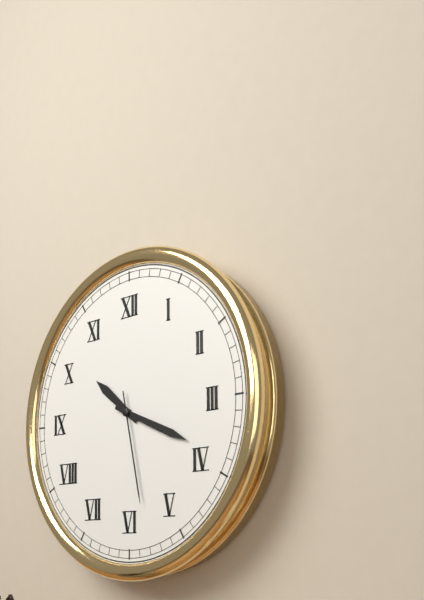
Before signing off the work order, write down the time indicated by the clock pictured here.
10:19:28
